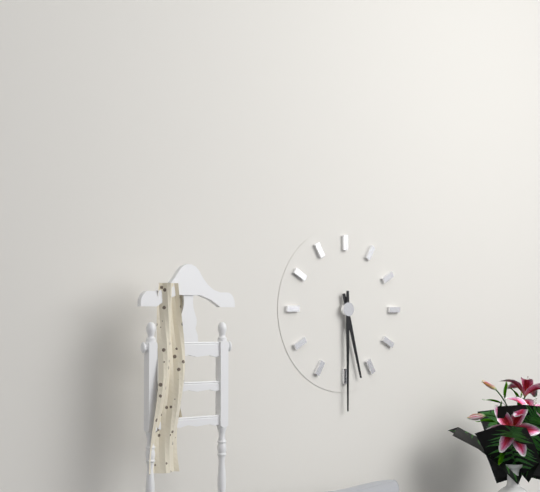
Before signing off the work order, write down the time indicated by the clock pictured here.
5:30
